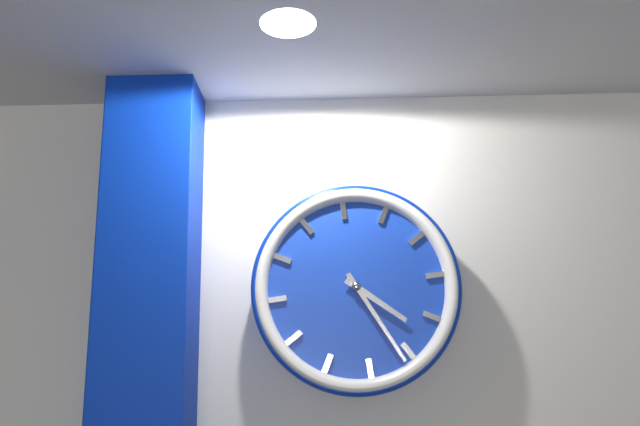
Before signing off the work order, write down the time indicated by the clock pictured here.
4:26
